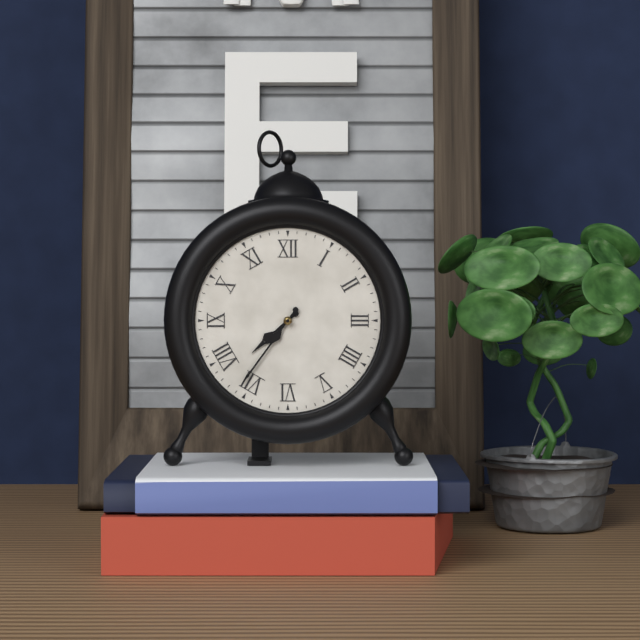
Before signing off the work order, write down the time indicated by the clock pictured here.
7:36
